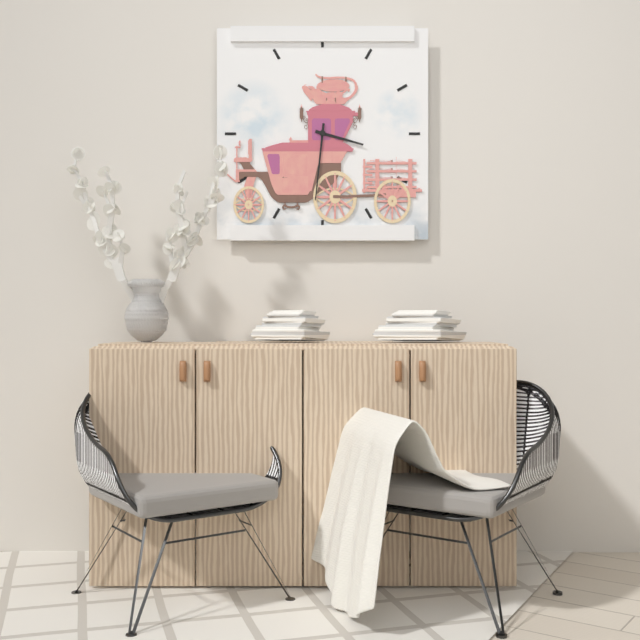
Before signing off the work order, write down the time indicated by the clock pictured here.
3:31
